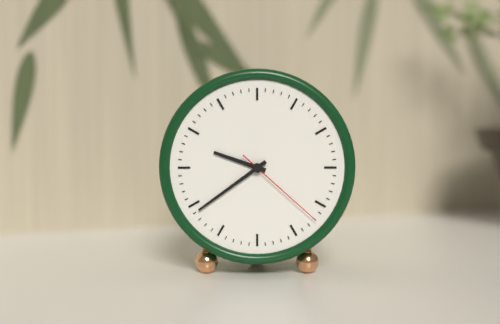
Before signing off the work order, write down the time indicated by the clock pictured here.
9:39:22
